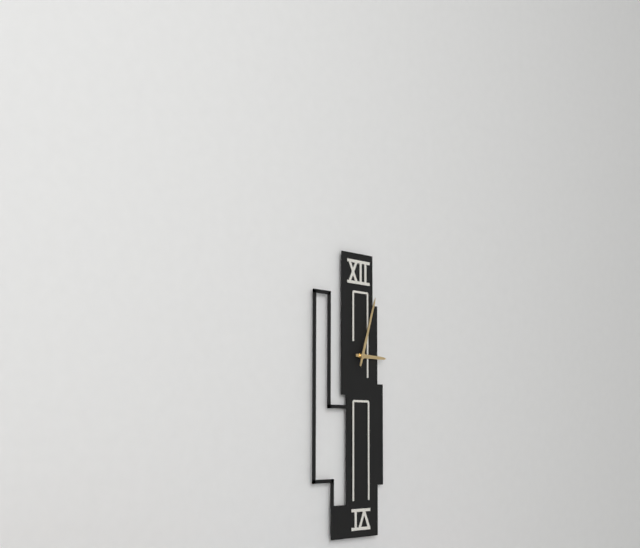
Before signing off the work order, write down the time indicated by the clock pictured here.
3:03
